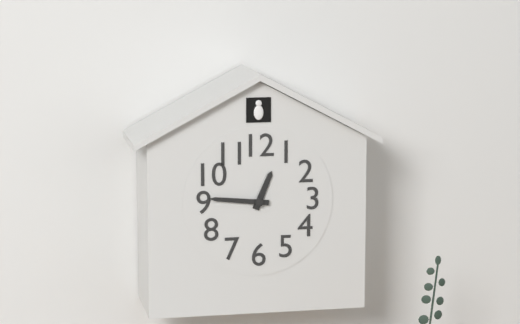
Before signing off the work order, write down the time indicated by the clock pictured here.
12:46
